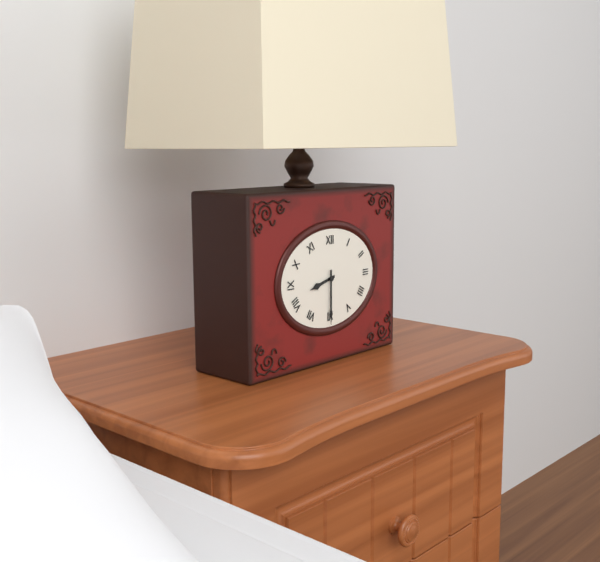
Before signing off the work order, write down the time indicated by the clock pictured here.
8:30
